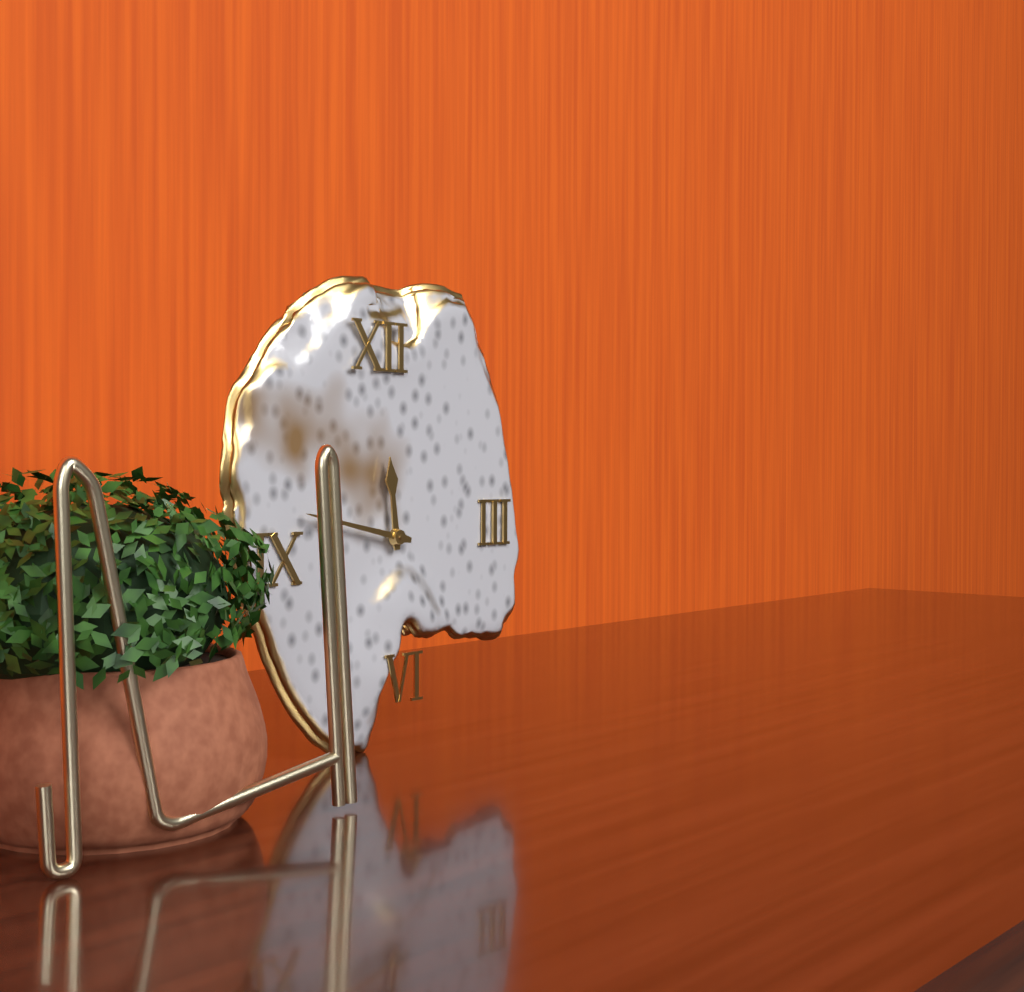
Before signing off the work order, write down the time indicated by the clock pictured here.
11:47
